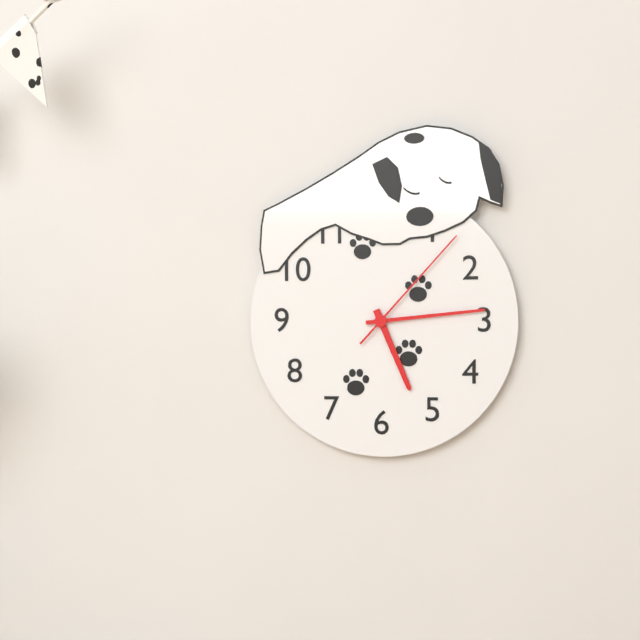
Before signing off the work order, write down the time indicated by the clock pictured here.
5:14:07
